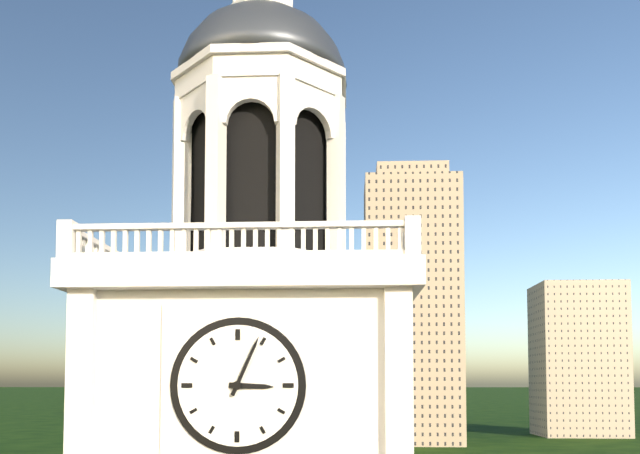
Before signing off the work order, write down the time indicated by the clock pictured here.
3:04
